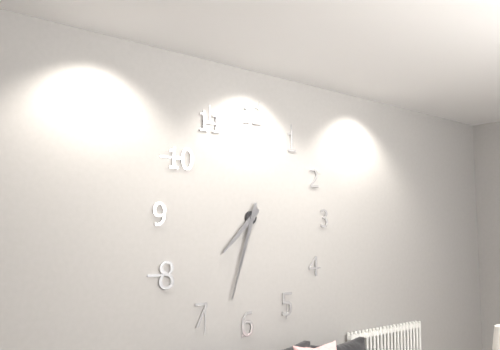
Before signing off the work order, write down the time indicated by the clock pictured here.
7:33
